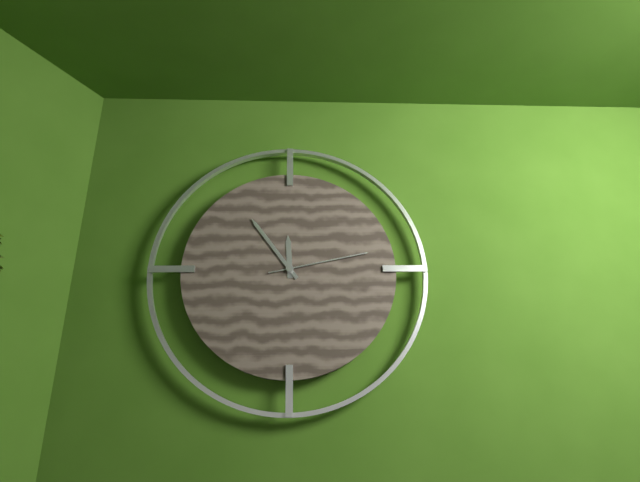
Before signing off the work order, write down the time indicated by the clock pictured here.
11:54:13
